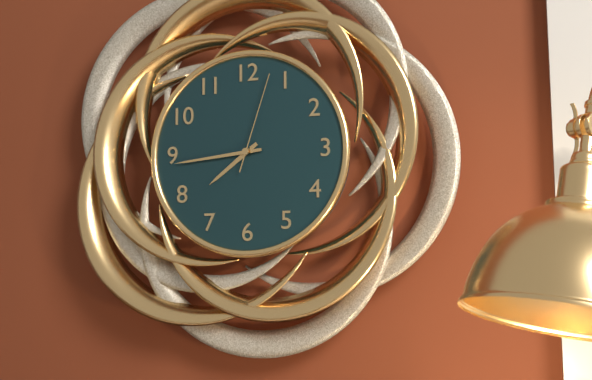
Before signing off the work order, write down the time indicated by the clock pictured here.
7:44:03
